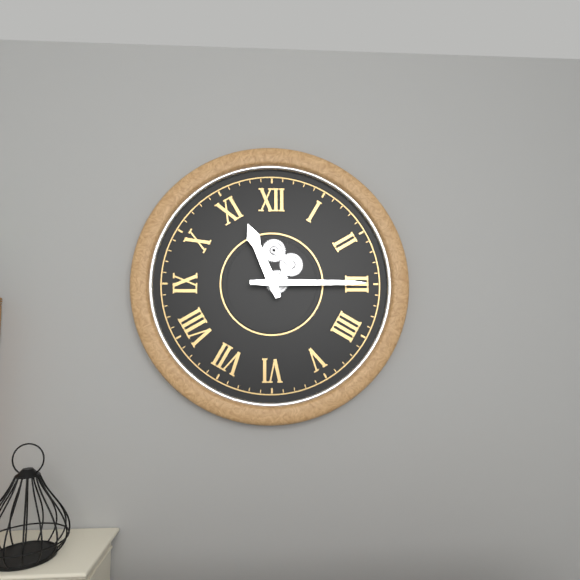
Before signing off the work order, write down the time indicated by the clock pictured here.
11:15
